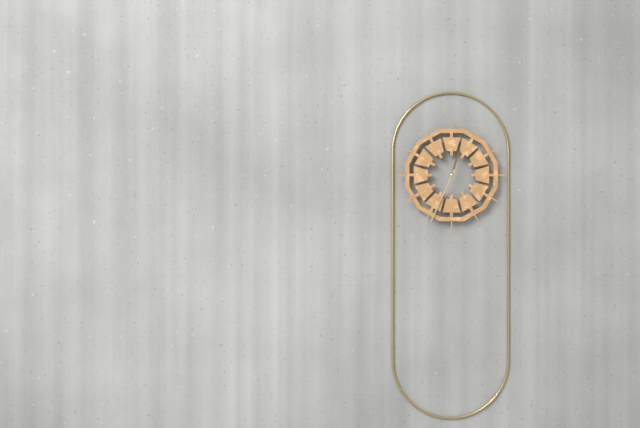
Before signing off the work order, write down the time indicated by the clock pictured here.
12:34
